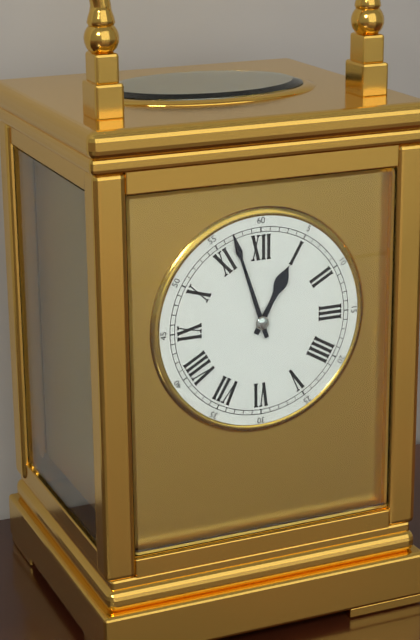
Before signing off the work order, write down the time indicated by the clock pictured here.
12:57
